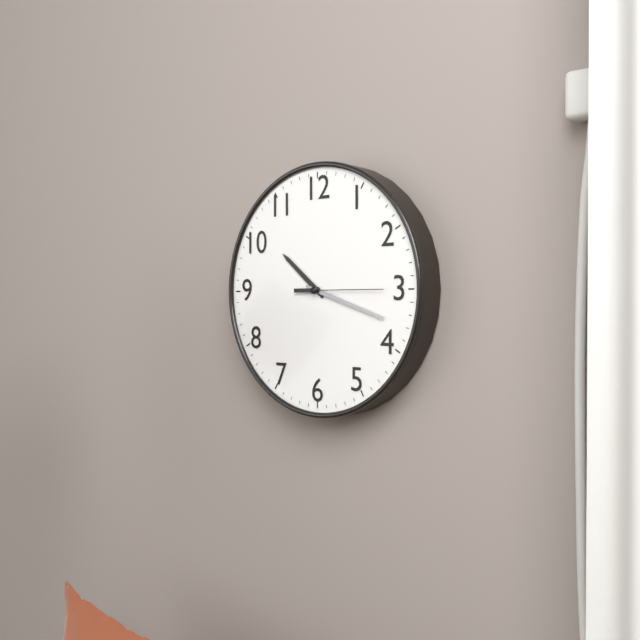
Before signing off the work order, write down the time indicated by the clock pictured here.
10:18:15
